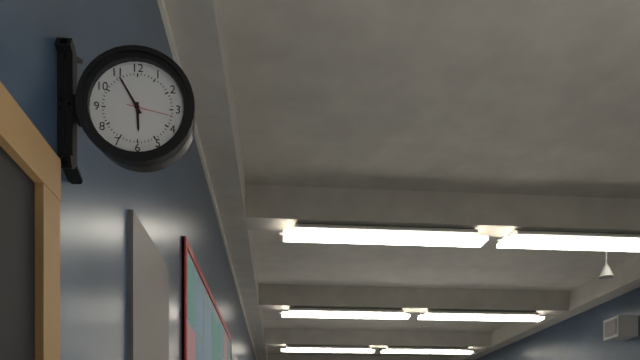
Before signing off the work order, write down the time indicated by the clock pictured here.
5:55
